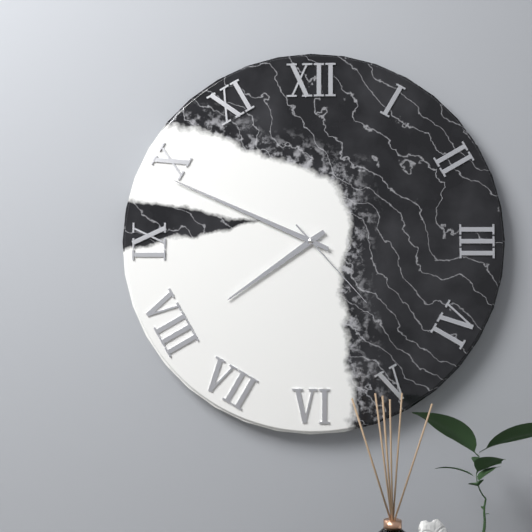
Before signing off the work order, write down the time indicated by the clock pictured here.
7:49:23
